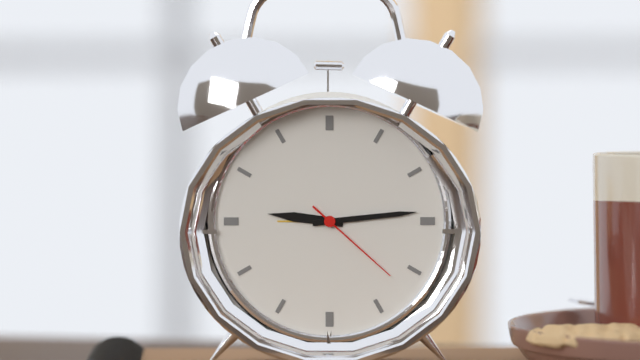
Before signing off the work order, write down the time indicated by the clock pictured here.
9:14:22
